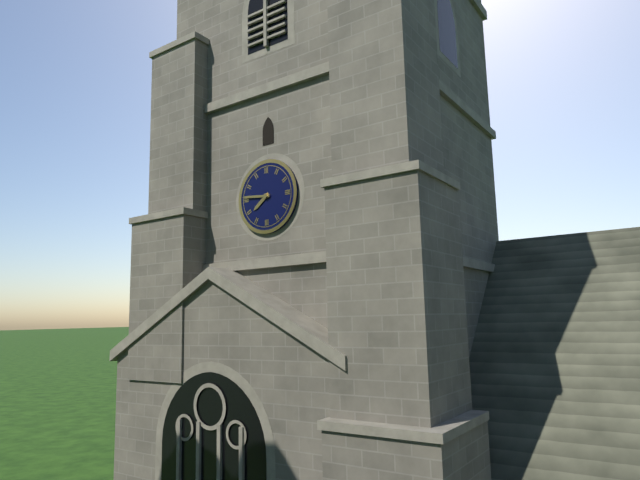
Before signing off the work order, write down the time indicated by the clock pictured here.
7:46
